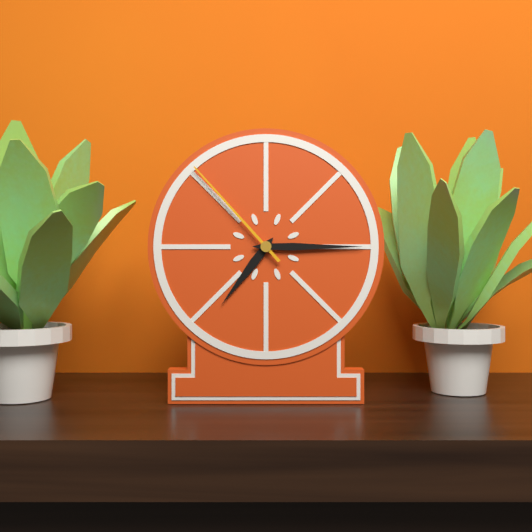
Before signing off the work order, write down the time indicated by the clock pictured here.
7:15:53
